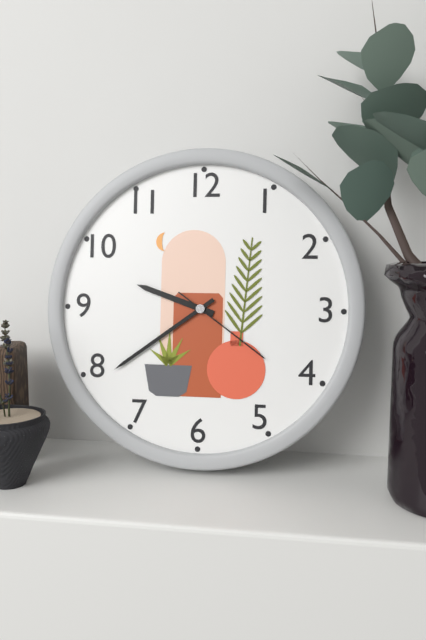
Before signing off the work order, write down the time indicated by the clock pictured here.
9:39:21
